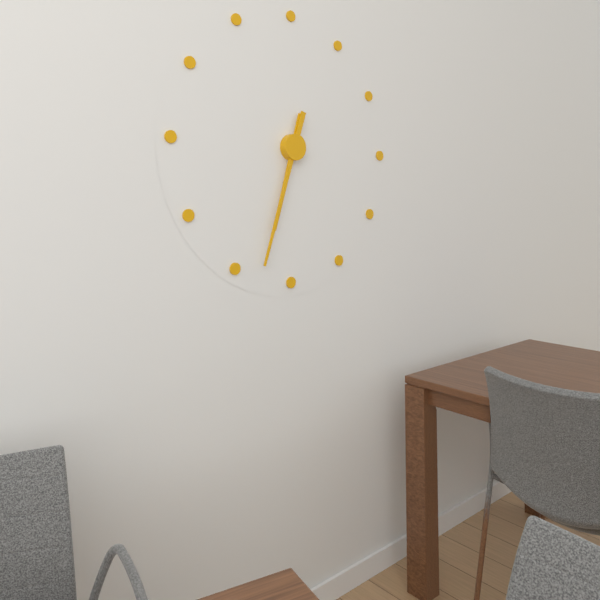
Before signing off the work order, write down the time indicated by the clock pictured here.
6:33
